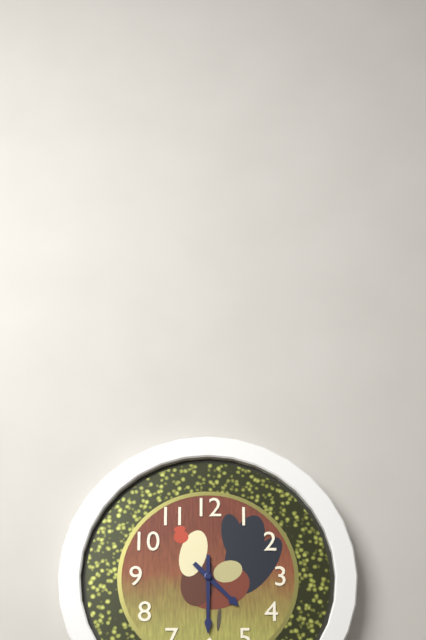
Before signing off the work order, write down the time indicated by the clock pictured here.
4:30
